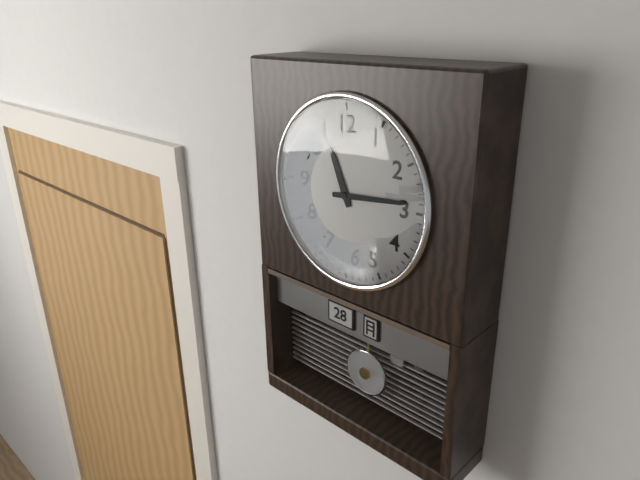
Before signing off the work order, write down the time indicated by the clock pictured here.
11:14
